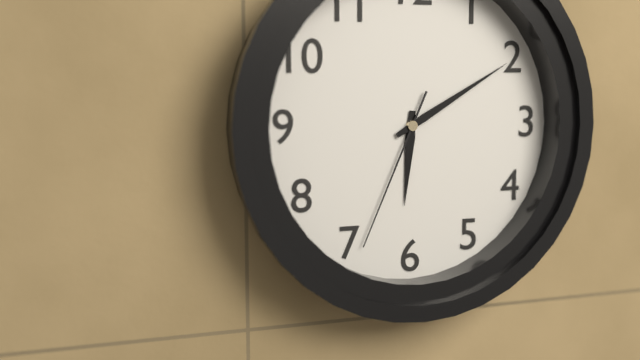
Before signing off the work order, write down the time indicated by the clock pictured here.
6:10:34
